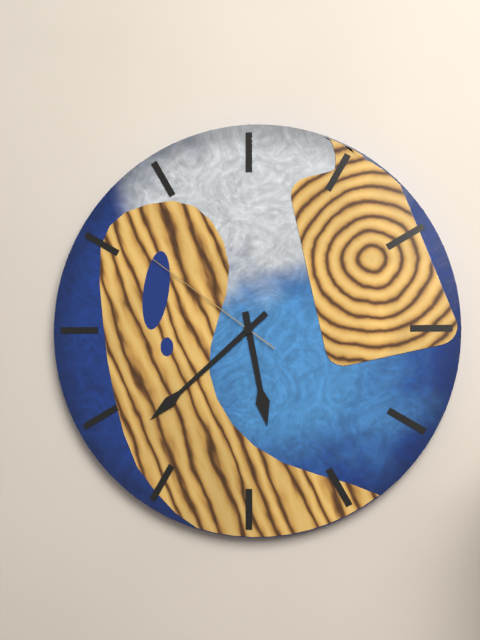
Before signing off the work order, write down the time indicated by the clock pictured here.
5:38:51
